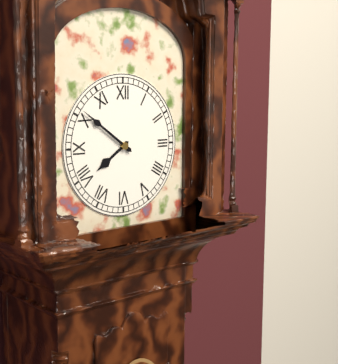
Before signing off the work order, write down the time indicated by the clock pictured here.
7:51
